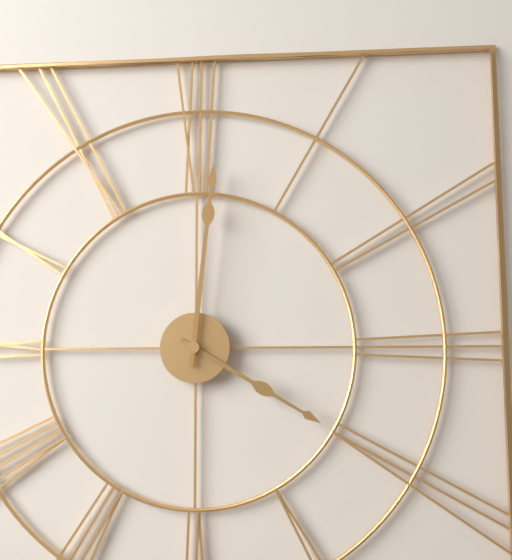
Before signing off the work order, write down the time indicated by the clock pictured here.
4:01
